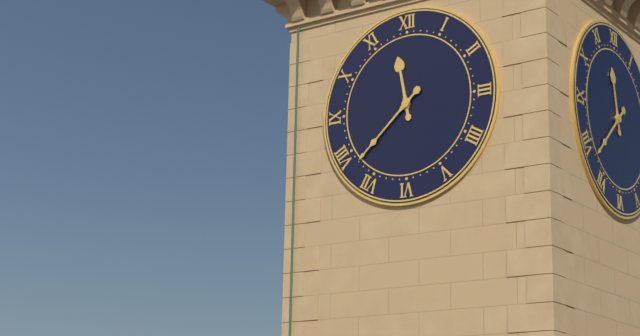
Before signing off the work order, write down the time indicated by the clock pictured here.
11:38
